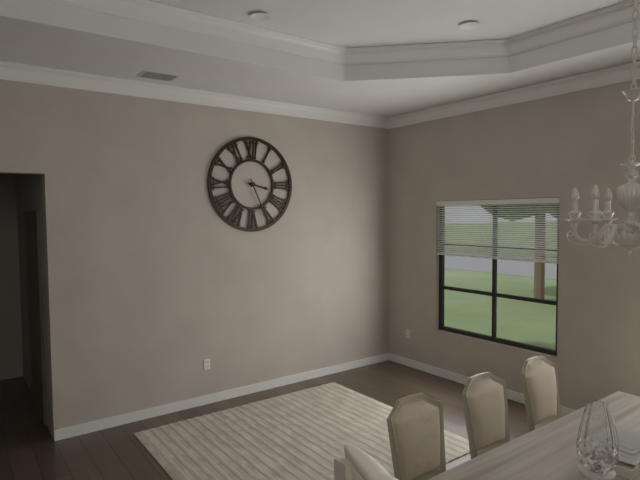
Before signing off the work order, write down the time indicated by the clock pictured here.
3:26
